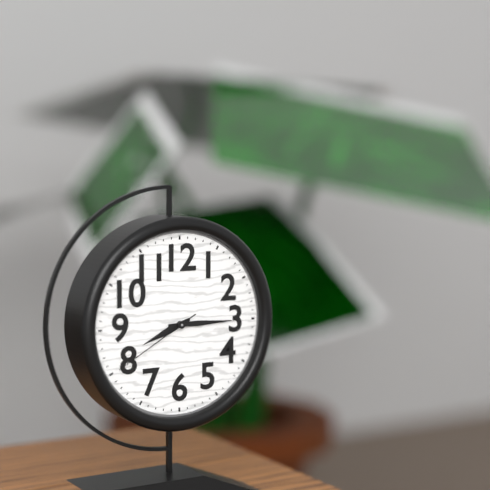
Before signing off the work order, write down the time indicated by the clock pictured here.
8:15:40
